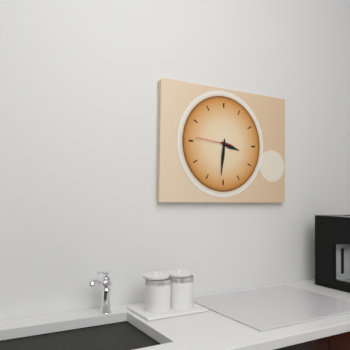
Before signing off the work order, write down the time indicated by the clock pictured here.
3:31
